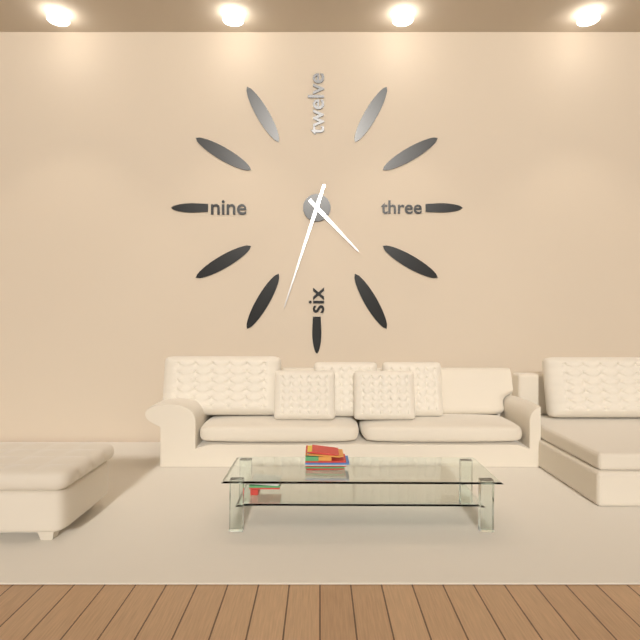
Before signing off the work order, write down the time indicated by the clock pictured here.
4:33
